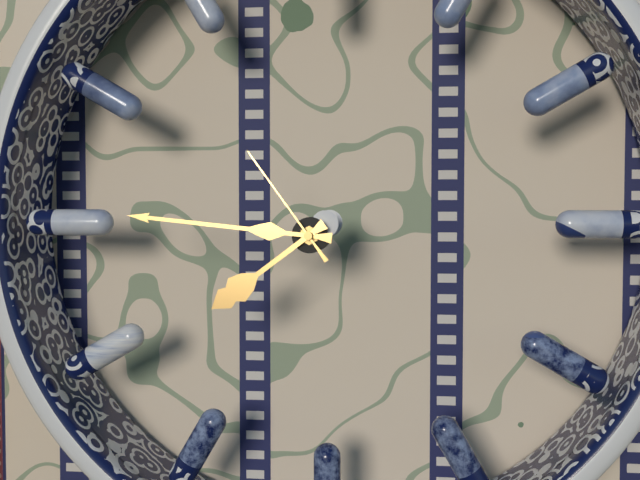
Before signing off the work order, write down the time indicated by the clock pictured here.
7:46:54
